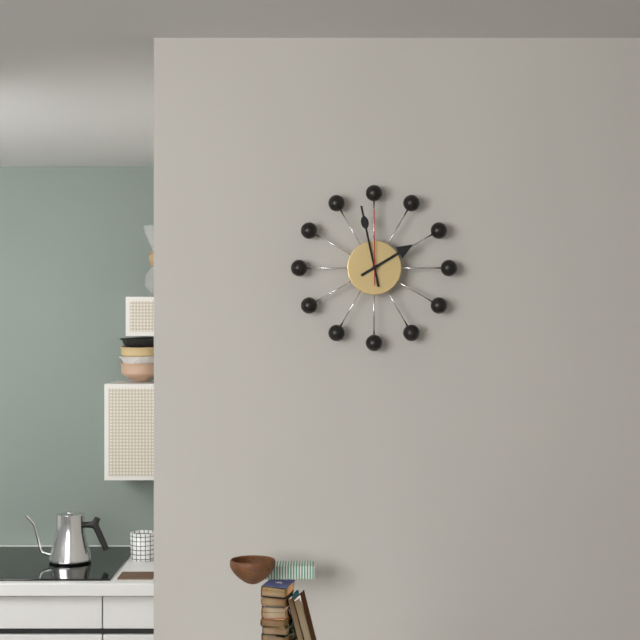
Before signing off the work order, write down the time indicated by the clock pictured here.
1:58:00
